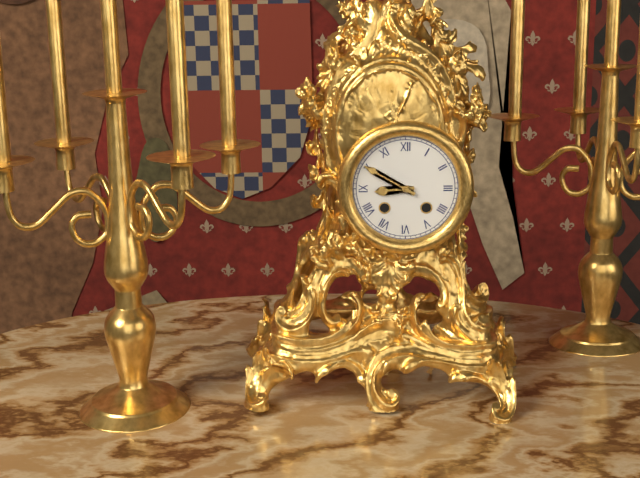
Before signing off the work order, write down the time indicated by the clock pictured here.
8:50
